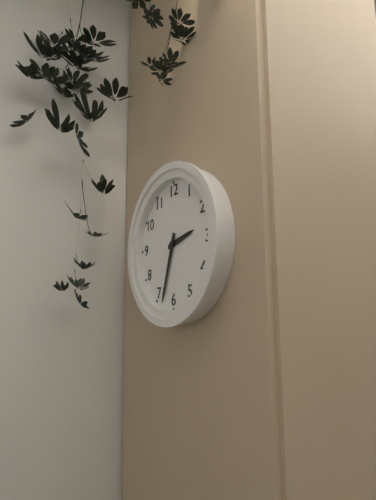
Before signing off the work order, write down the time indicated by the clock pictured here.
2:33
